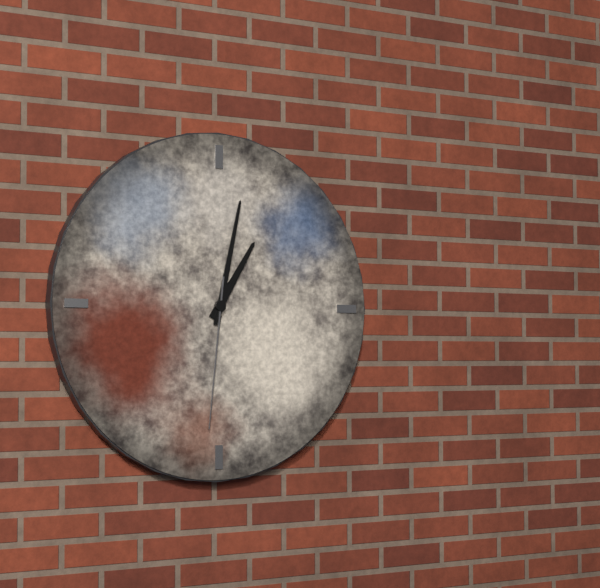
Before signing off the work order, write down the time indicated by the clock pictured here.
1:02:31
